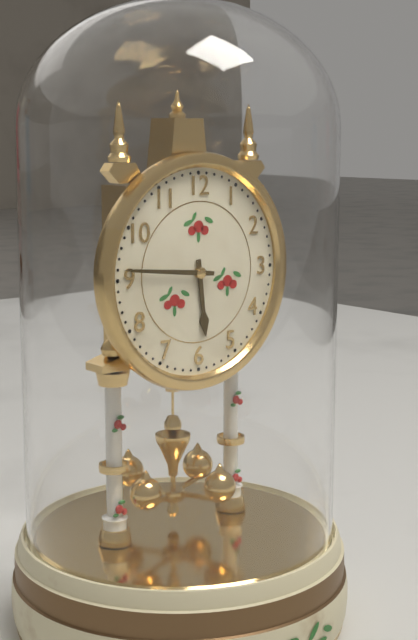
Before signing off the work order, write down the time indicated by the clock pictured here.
5:46
